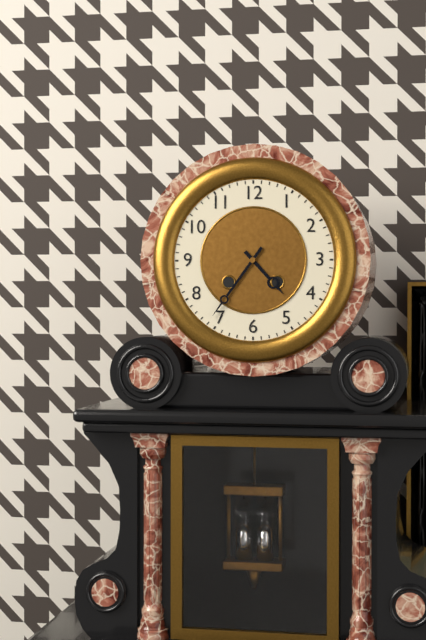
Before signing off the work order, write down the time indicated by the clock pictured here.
4:36
